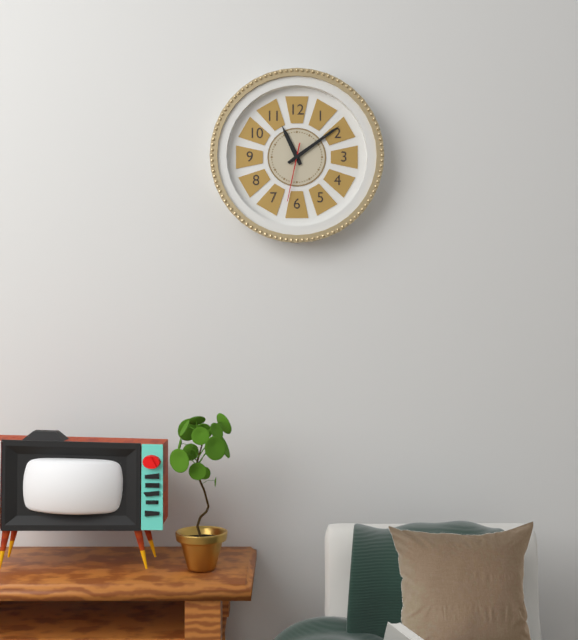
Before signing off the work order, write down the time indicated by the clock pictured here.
11:09:32
